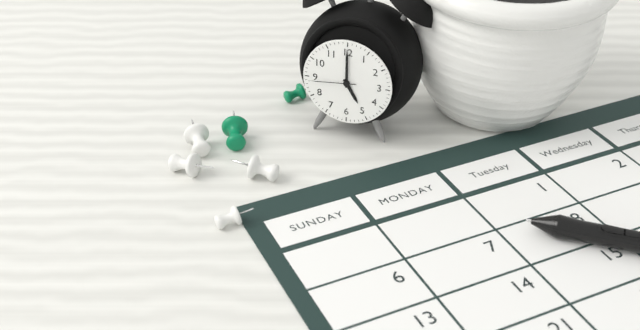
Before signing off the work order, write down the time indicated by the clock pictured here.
5:00
